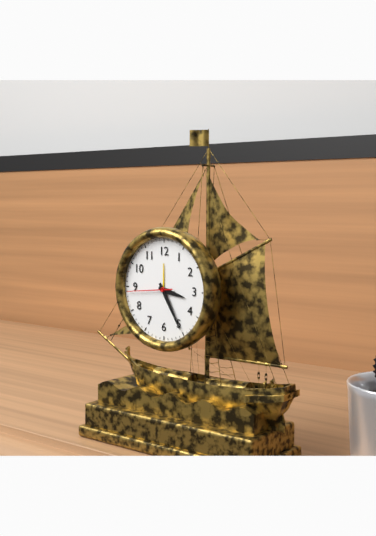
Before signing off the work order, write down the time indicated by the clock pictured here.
3:25
